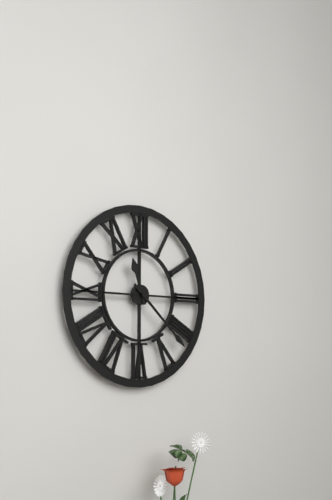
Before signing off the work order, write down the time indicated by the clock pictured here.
11:22
